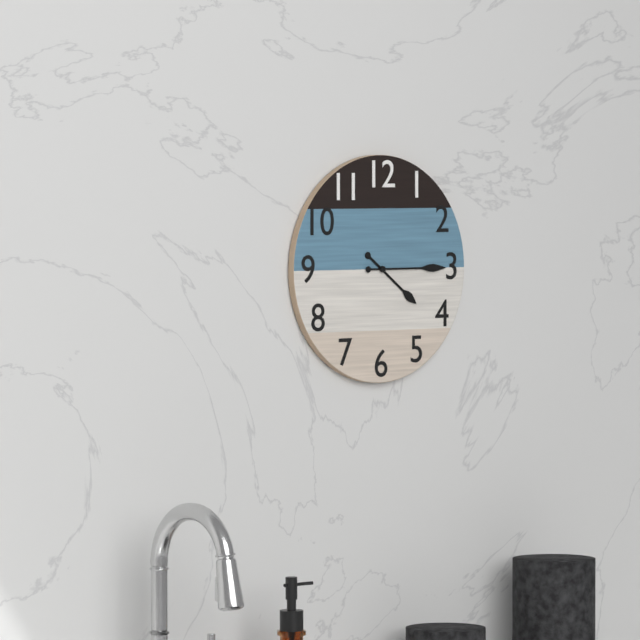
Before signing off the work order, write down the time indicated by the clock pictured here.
4:15
